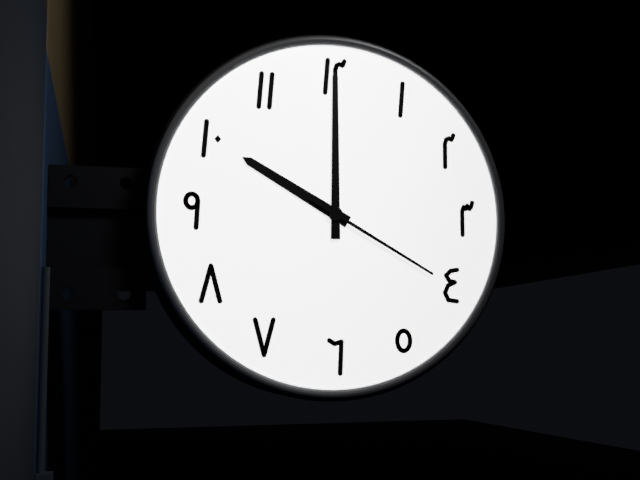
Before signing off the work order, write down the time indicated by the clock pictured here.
10:00:20
